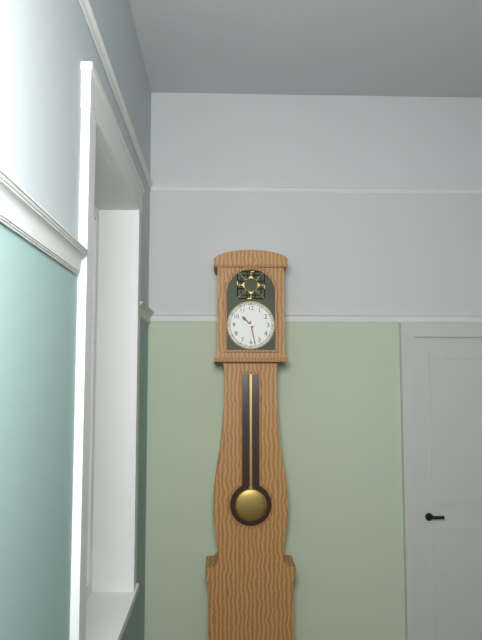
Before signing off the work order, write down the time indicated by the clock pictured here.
10:28
